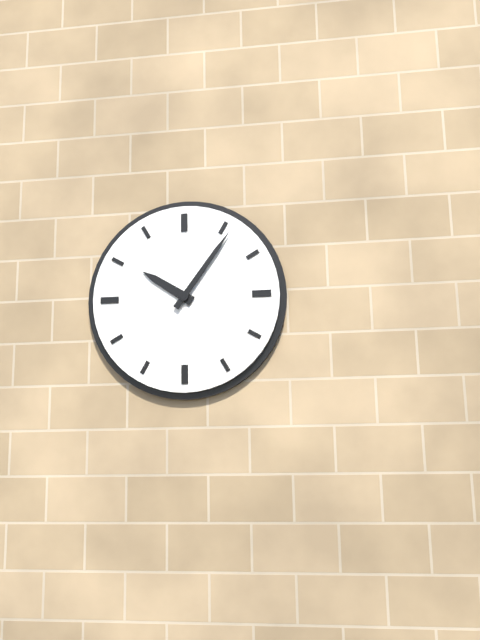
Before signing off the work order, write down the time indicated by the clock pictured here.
10:06
